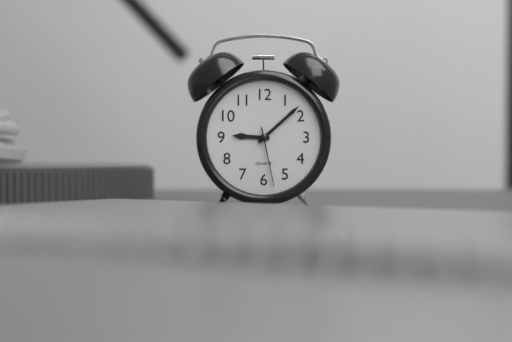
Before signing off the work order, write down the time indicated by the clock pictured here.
9:08:28
